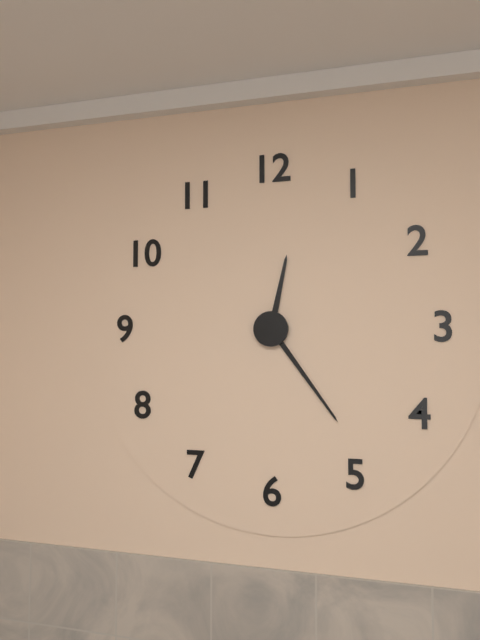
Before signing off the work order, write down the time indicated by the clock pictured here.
12:24
